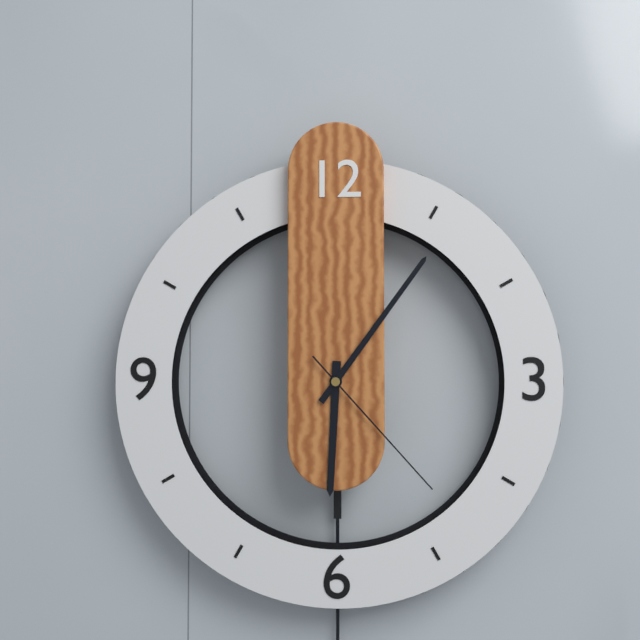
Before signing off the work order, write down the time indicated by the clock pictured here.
6:06:23
